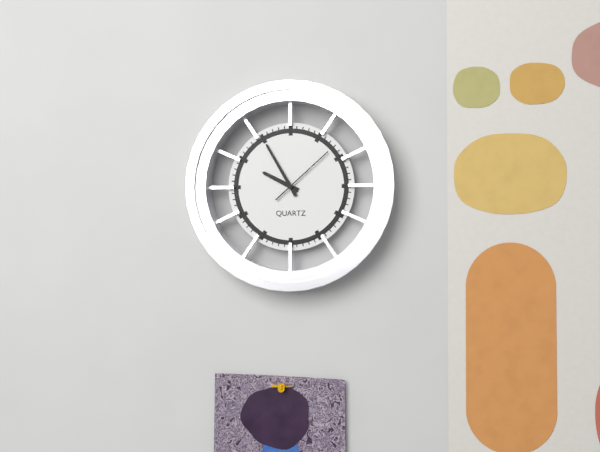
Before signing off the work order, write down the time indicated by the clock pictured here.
9:55:08
